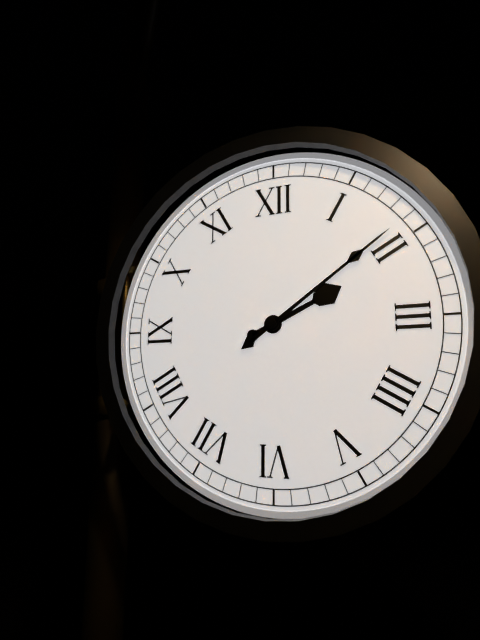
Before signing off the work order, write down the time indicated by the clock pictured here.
2:09
